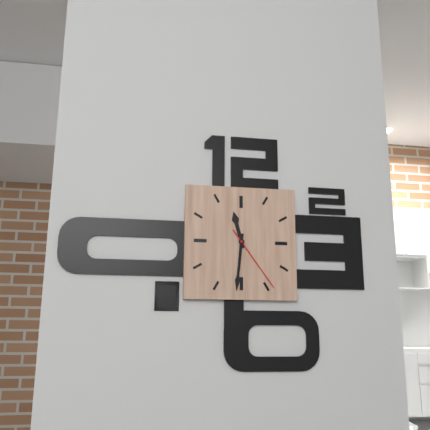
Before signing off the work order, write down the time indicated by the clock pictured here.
11:31:24
